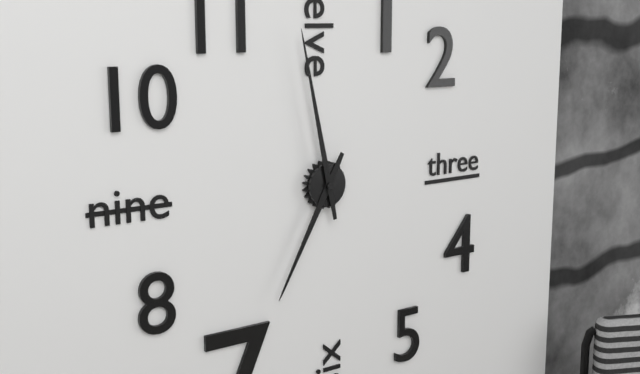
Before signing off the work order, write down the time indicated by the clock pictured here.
6:58
